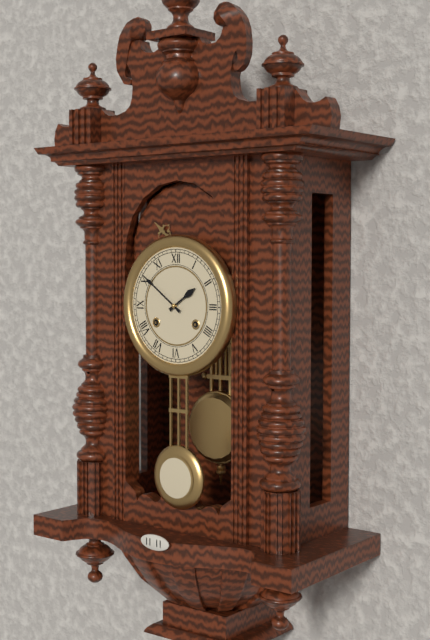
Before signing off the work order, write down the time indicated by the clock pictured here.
1:51
